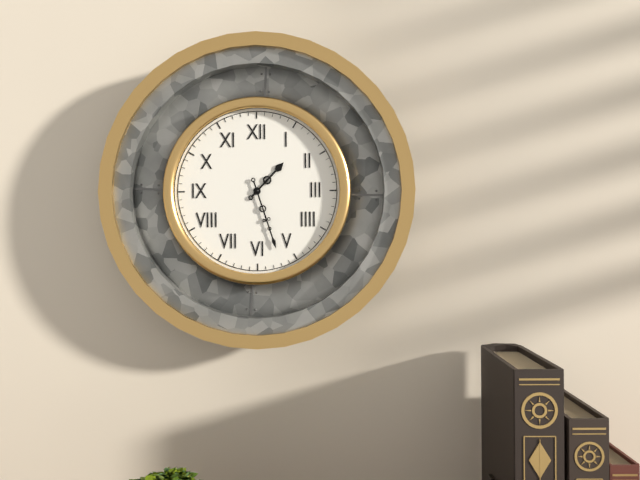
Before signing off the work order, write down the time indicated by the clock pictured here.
1:27
